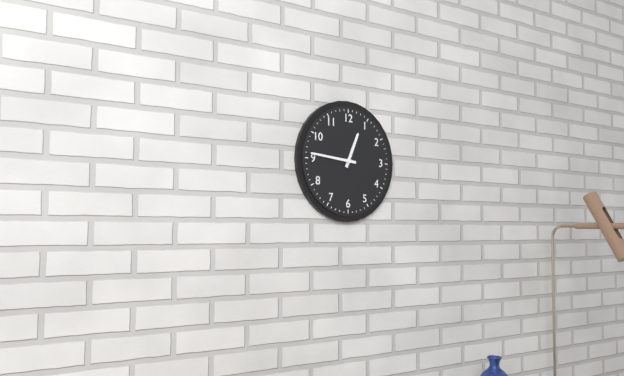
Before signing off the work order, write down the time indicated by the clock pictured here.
12:46
